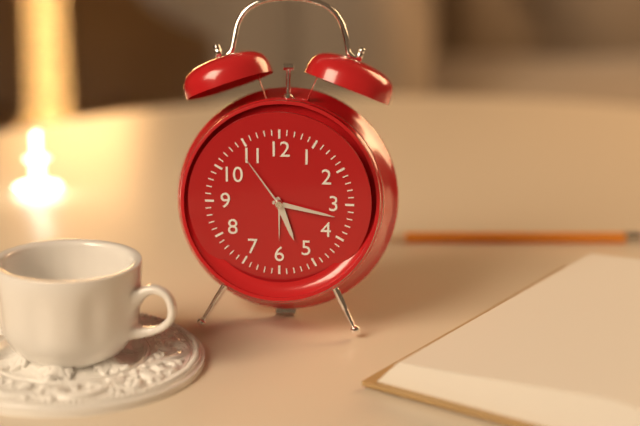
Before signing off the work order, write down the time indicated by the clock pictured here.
5:17:54
